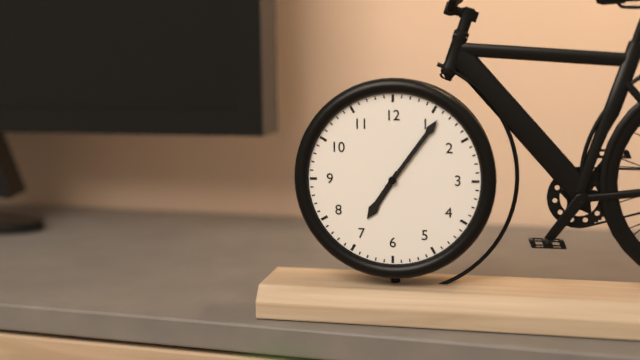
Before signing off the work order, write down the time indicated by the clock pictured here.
7:06
